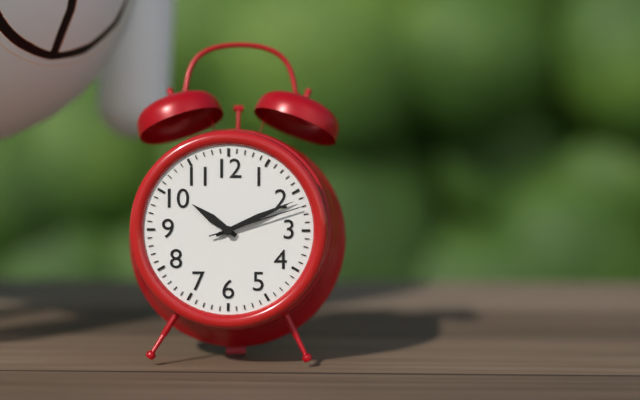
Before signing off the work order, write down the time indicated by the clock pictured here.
10:11:12
